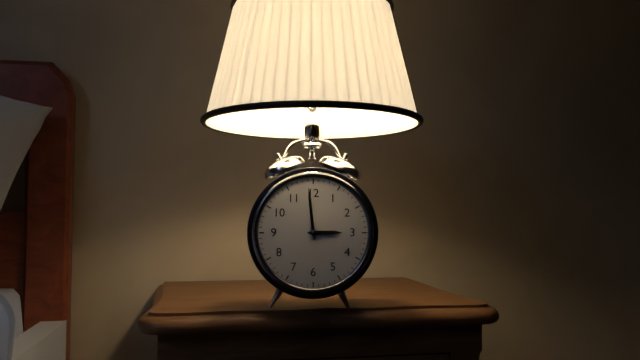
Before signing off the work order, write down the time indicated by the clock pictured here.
2:59
